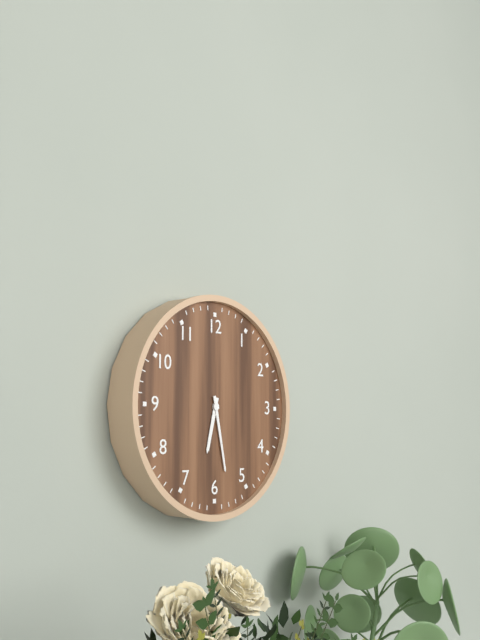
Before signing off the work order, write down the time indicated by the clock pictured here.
6:28
